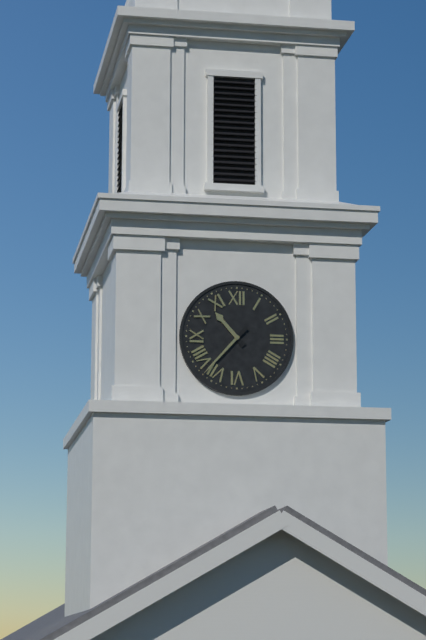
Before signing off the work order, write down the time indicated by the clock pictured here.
10:37
